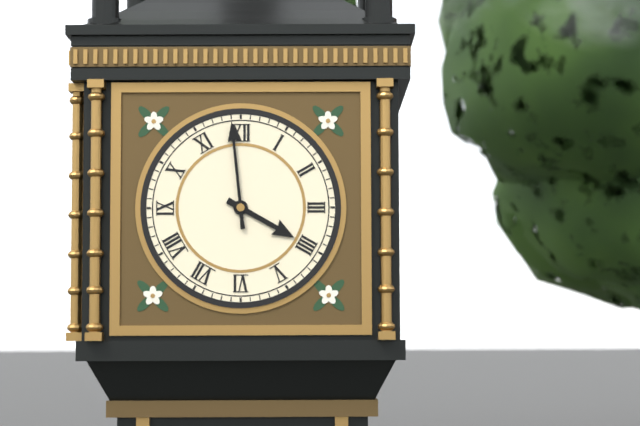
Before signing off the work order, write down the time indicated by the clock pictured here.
3:59
